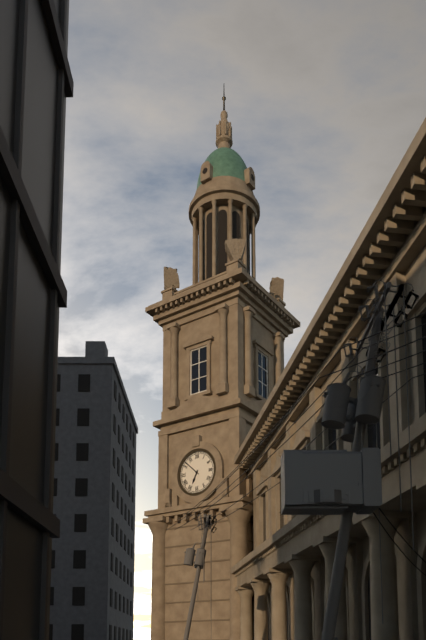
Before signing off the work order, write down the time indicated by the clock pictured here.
6:52
